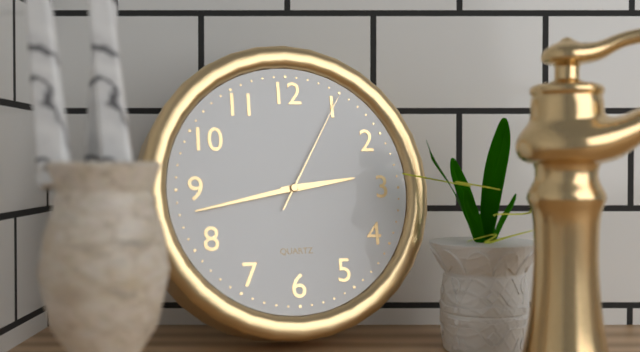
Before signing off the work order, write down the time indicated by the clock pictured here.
2:43:05
